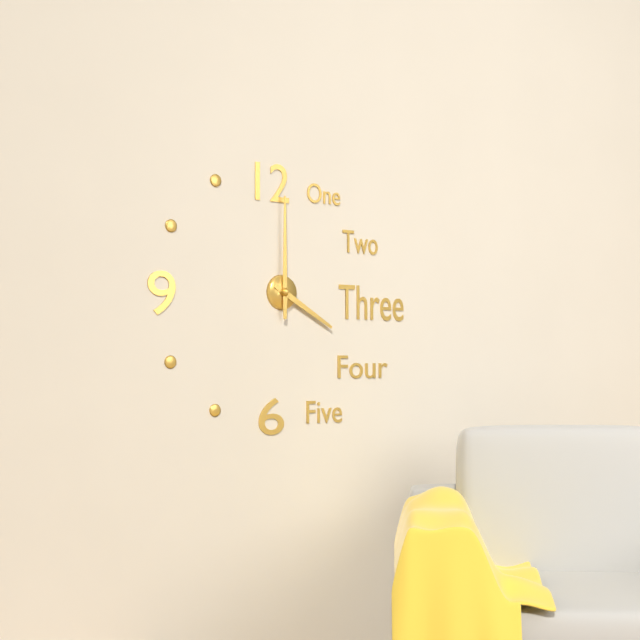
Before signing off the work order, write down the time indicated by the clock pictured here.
4:00
